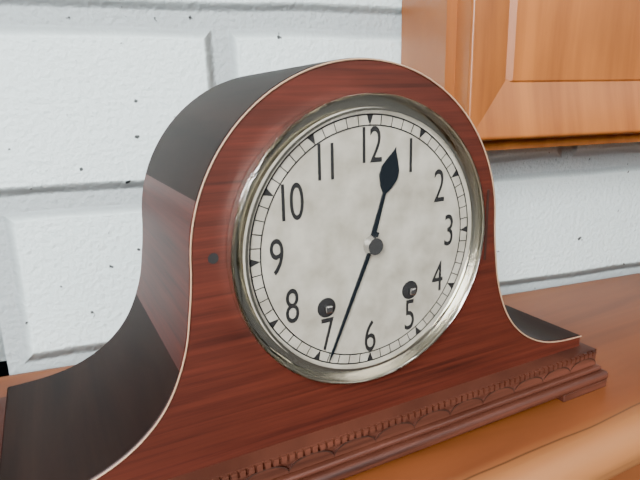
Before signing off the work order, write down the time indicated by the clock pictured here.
12:34
